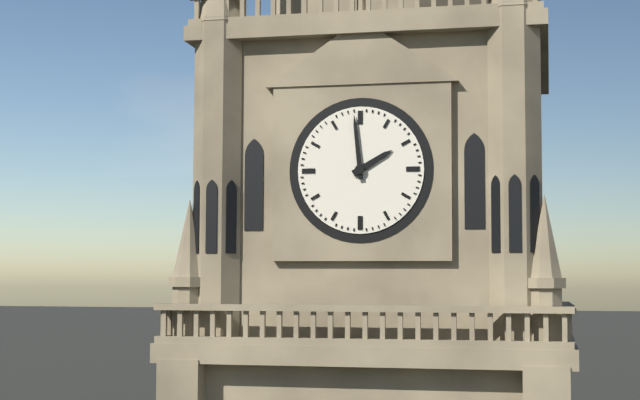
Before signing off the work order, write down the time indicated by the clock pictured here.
1:59
